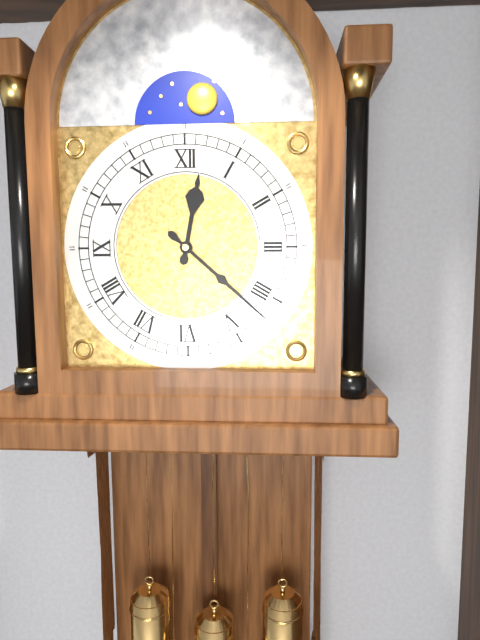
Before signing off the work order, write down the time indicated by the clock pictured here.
12:22
